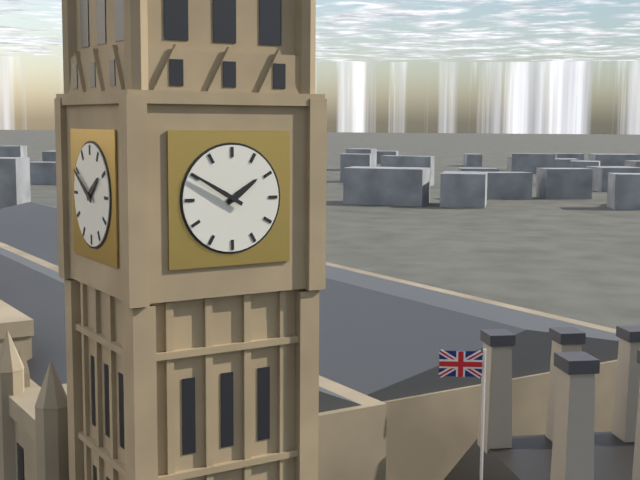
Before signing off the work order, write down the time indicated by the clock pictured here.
1:50
